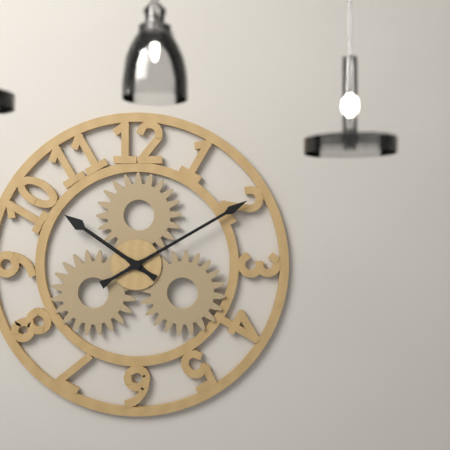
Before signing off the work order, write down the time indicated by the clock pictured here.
10:10
